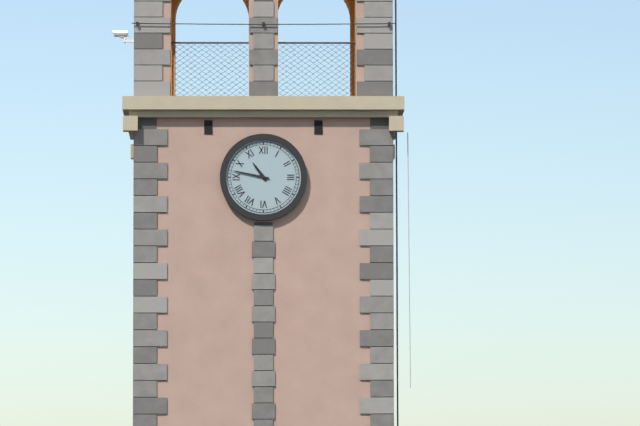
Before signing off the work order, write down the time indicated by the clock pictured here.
10:47
